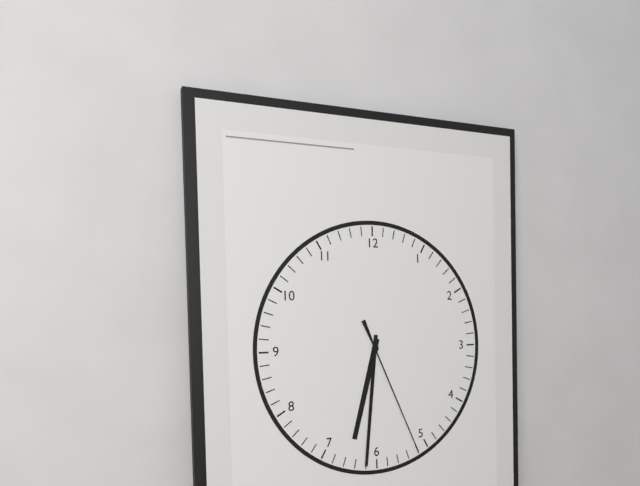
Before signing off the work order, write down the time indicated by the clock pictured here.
6:31:26
